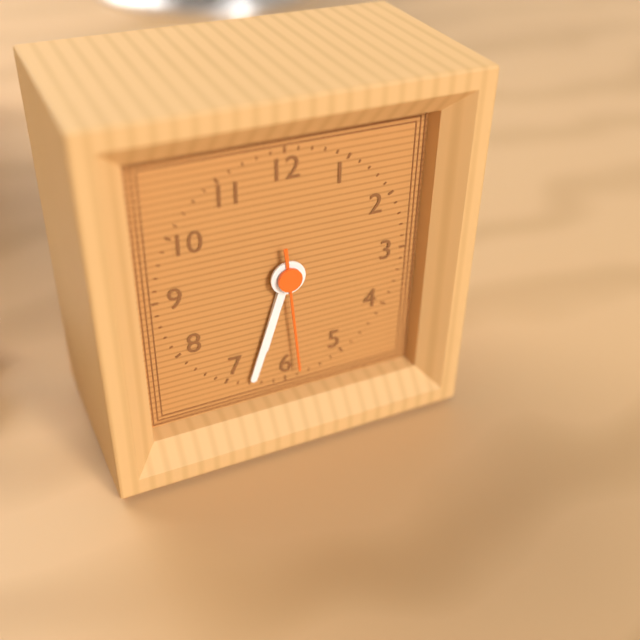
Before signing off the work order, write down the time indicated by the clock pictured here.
6:33:29
